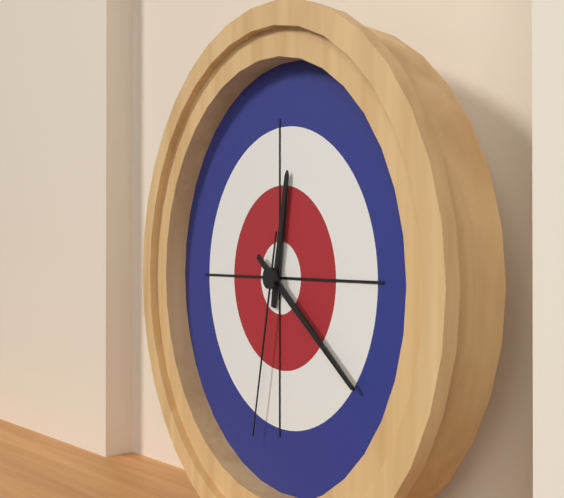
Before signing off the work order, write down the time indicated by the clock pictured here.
12:21:32
